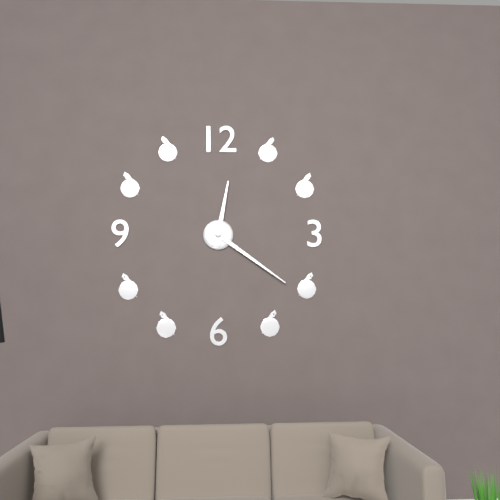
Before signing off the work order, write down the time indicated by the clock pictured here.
12:21
